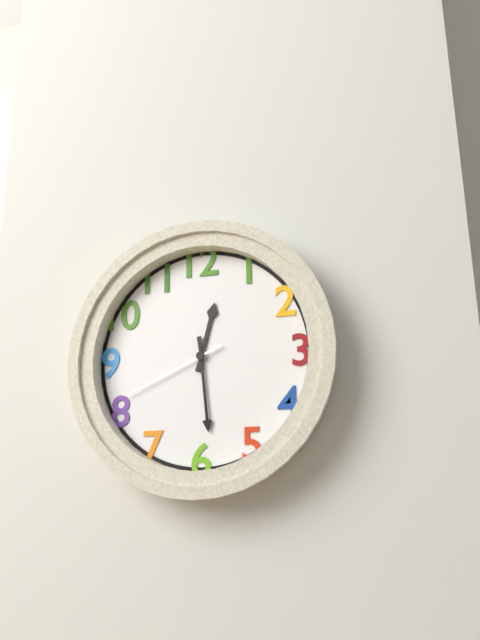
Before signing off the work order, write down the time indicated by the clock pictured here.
12:29:41
